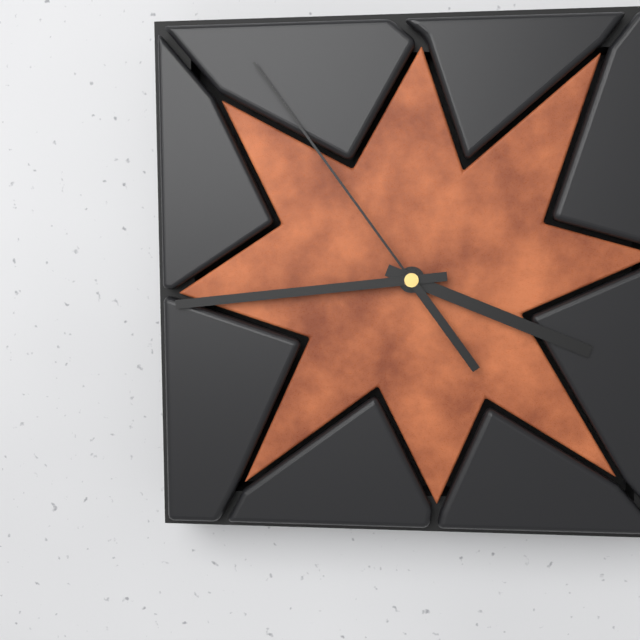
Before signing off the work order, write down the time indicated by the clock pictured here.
3:44:54
